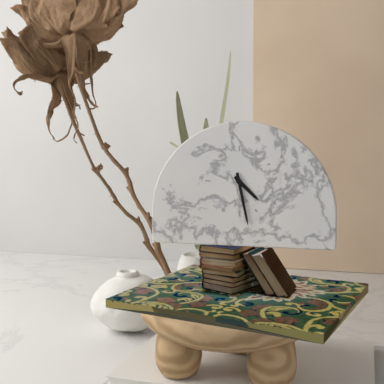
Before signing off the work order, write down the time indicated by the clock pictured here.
4:28
